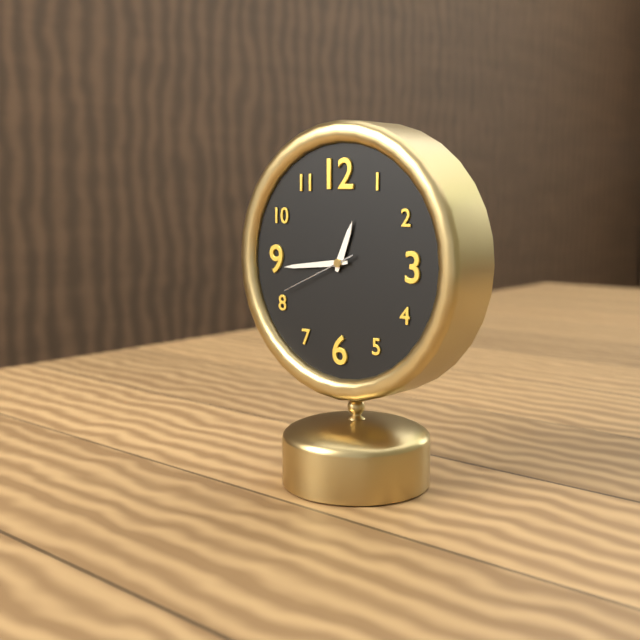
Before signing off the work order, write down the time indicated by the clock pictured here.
12:44:41
